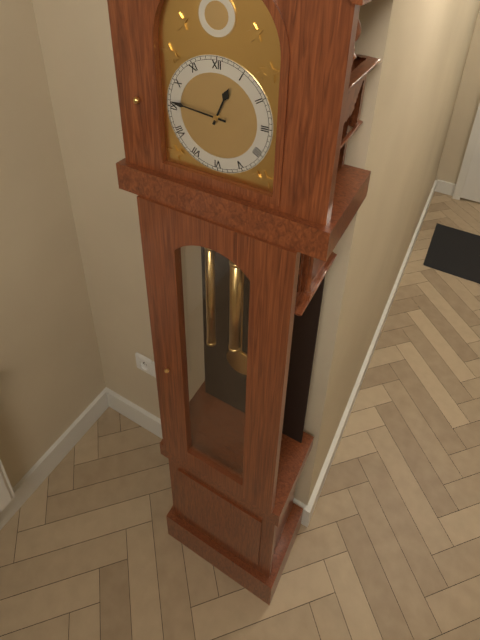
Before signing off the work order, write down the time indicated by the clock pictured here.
12:46
